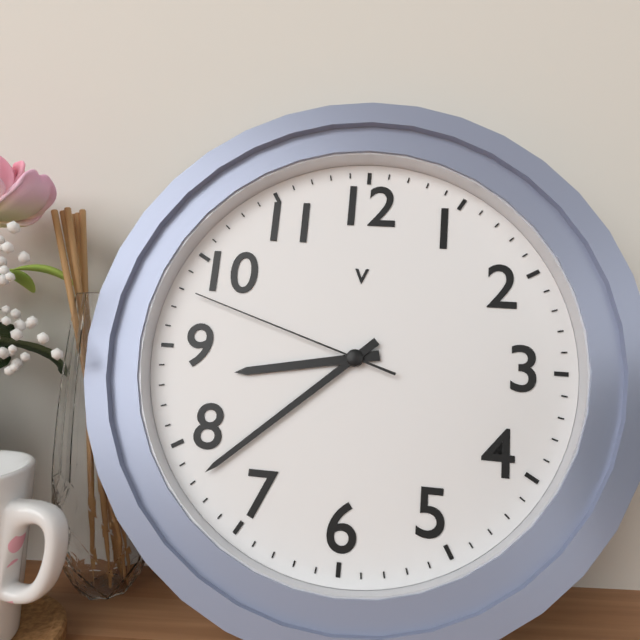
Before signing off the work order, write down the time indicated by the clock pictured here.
8:38:48
